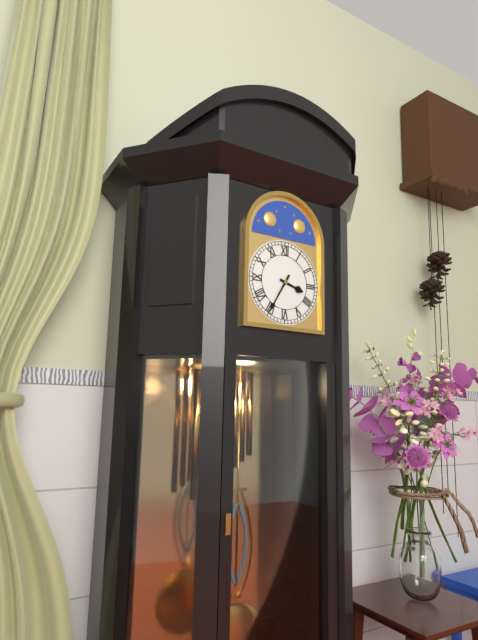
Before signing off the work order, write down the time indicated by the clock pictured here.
3:35
